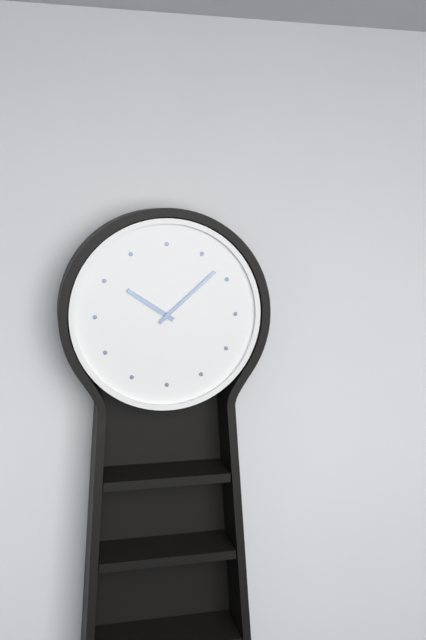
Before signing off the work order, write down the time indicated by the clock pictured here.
10:08
